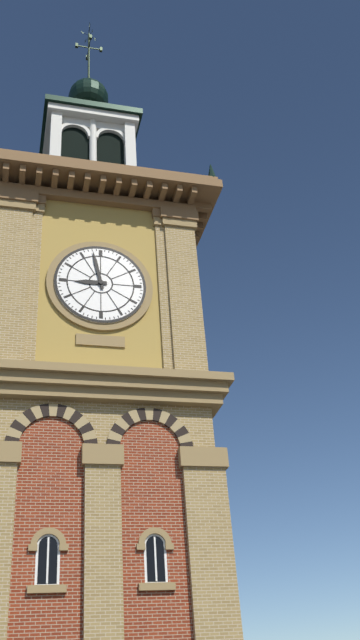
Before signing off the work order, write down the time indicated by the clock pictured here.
8:58
